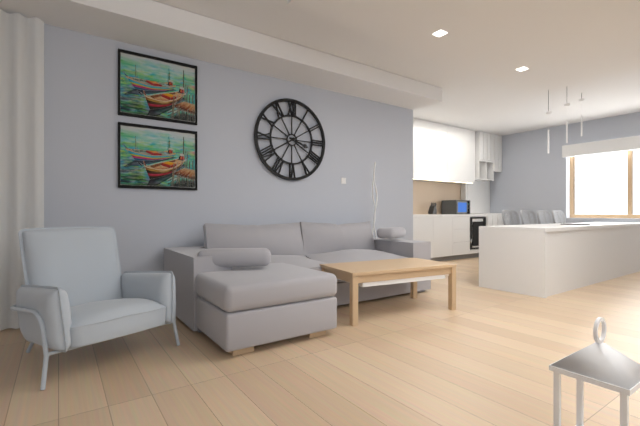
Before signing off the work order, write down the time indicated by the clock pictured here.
3:40
